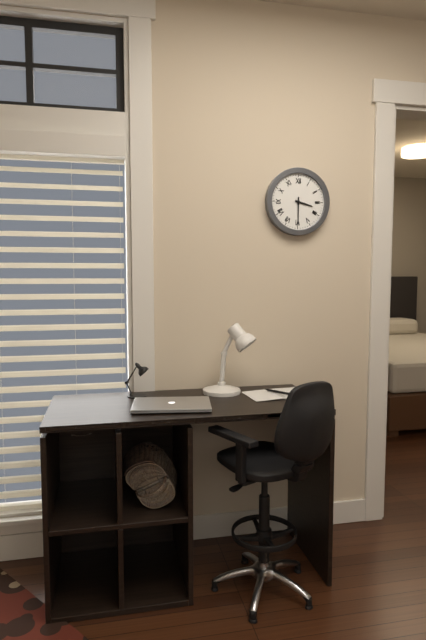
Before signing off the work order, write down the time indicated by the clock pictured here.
3:30
